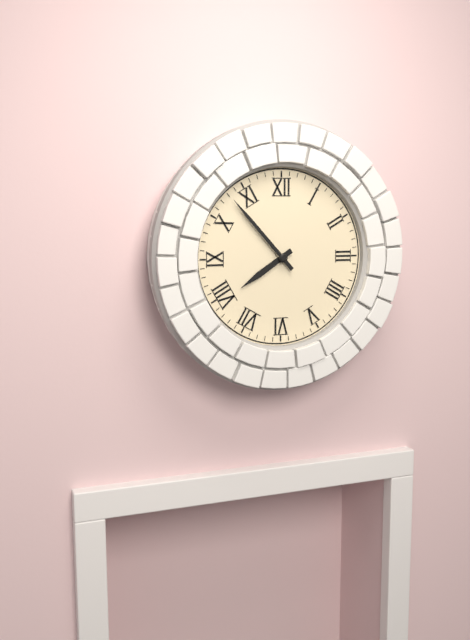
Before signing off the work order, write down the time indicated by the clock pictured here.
7:53
